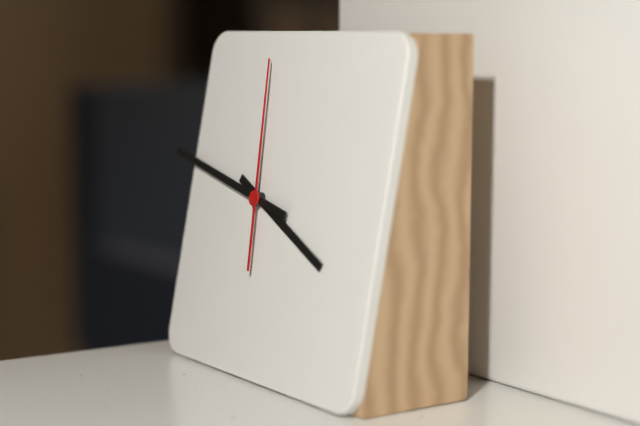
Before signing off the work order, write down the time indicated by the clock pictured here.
3:47:59
